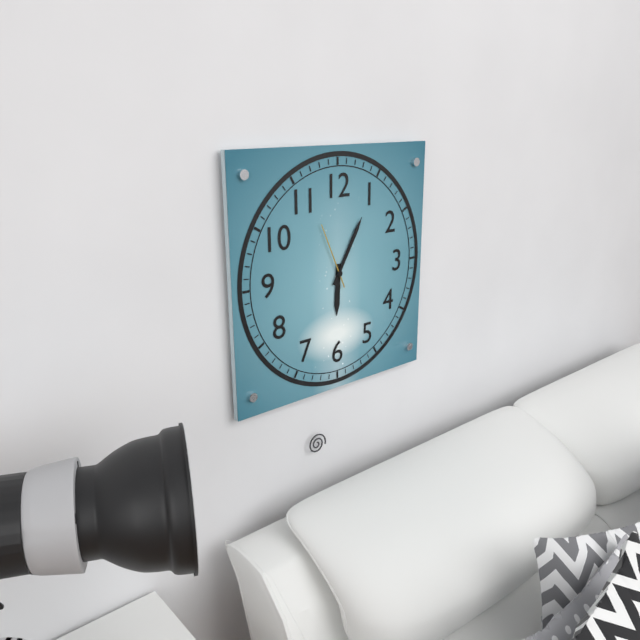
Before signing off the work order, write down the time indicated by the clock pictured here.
6:05:56
